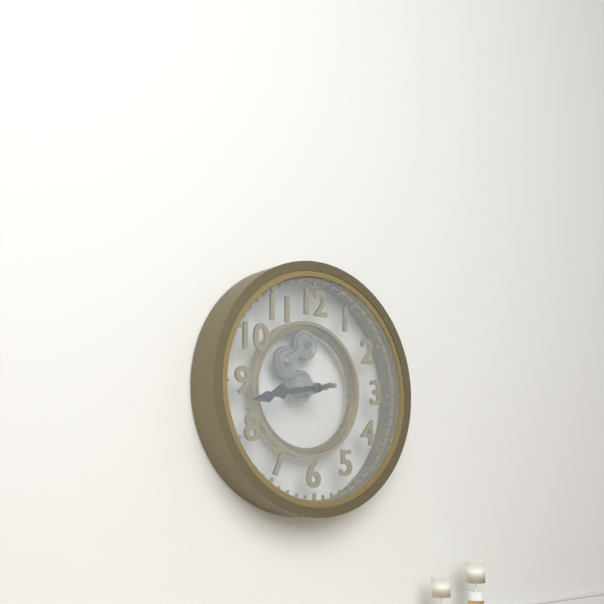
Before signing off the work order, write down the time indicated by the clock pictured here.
8:43
